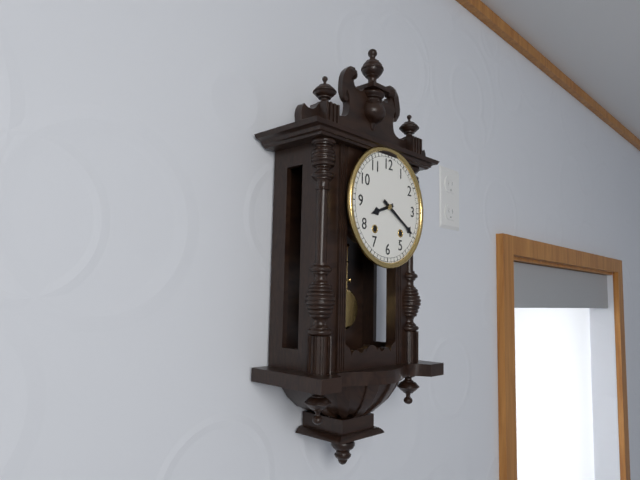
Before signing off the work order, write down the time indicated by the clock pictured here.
8:20
